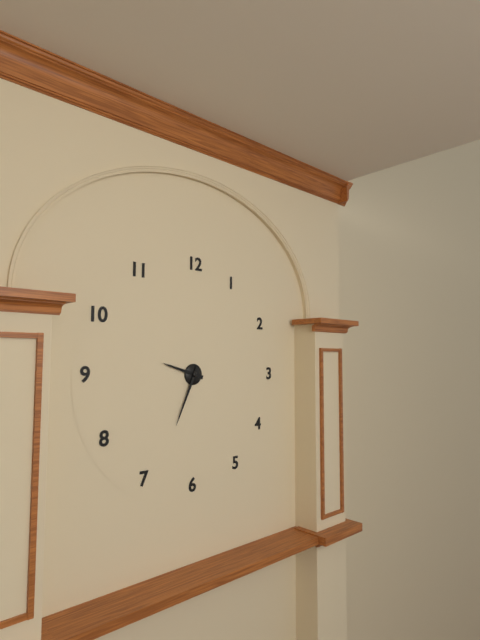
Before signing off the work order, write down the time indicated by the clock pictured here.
9:34
